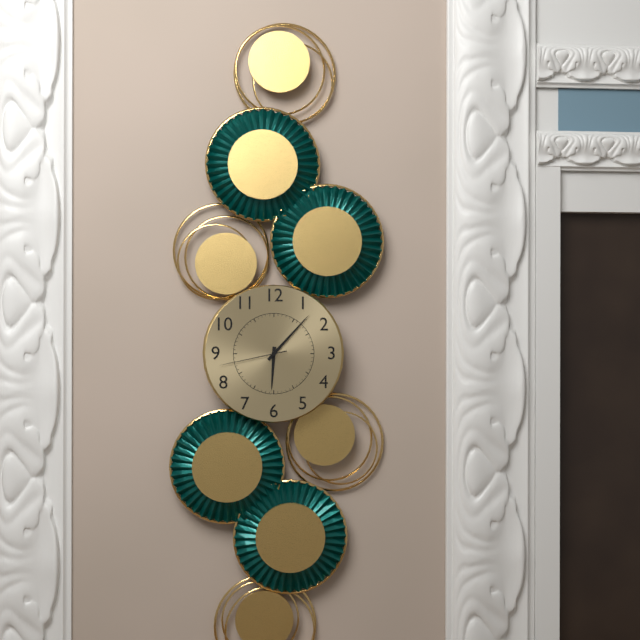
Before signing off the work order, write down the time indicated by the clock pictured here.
6:07:43
